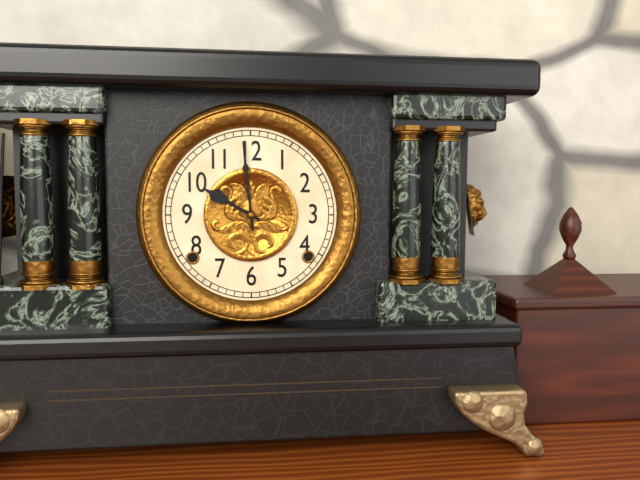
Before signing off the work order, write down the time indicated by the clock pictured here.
9:59
